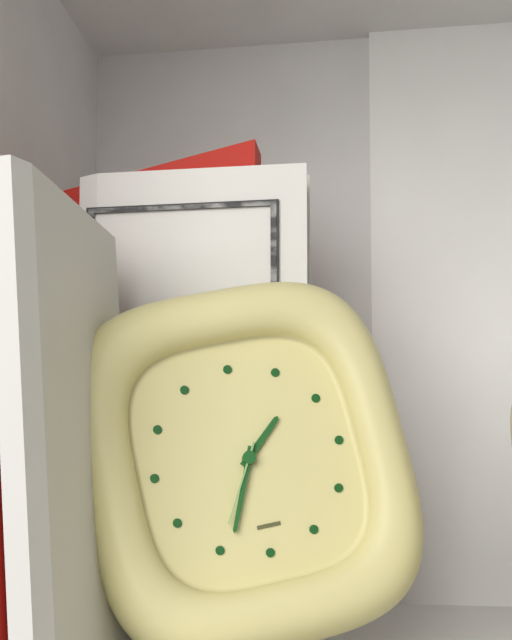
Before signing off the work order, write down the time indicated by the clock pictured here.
1:34:35
